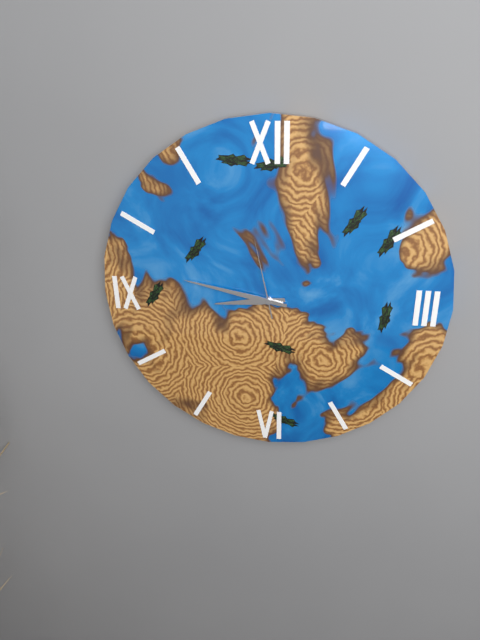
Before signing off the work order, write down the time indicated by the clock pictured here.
8:47:58
